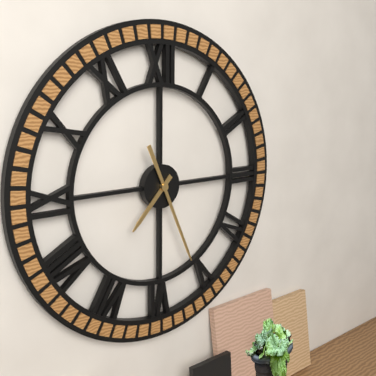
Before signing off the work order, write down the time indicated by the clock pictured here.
7:26
